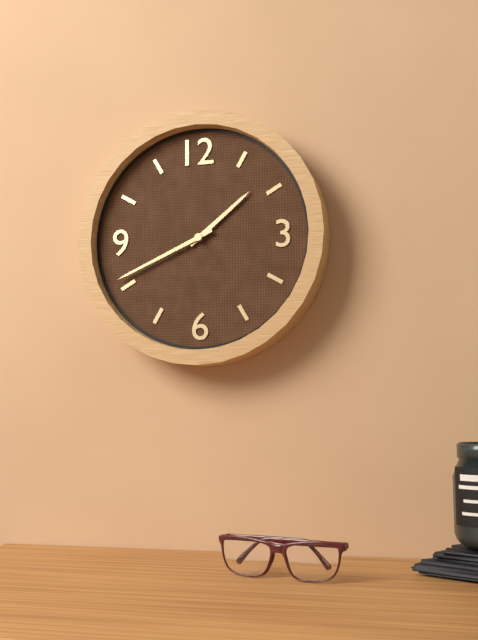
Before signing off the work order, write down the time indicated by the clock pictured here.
1:41
